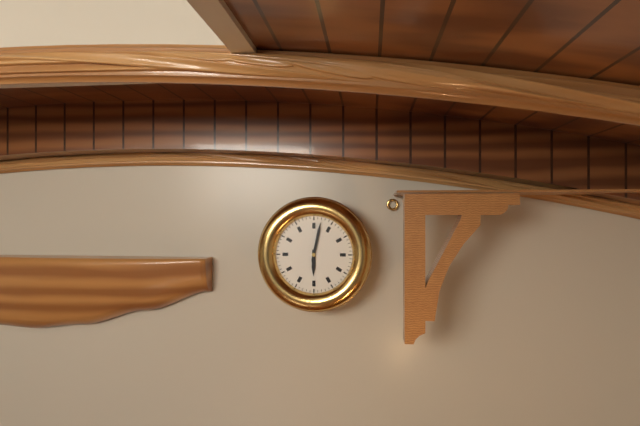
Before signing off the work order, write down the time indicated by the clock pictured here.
6:02
